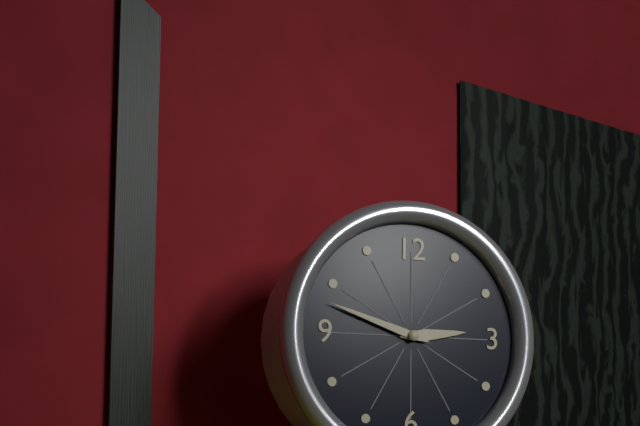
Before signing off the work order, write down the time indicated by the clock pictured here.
2:48
